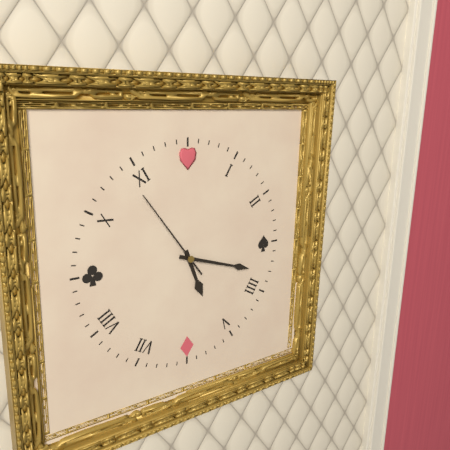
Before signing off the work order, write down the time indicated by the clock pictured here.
5:18:54
